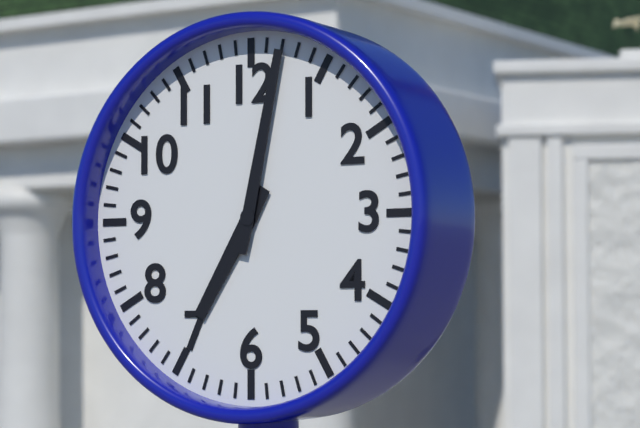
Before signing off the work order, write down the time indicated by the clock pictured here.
7:02
